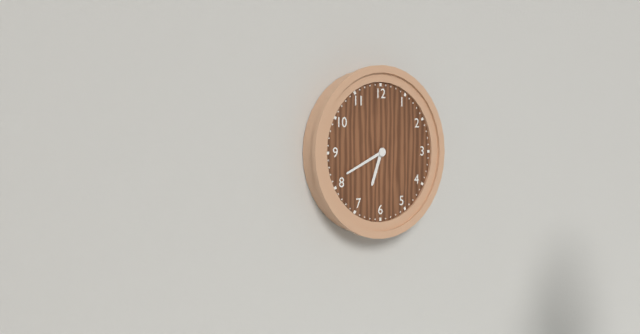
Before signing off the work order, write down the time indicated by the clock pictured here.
6:41
